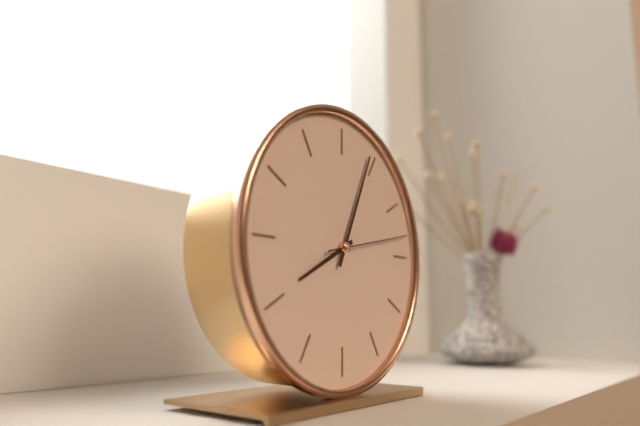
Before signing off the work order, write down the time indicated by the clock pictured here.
8:04:13
